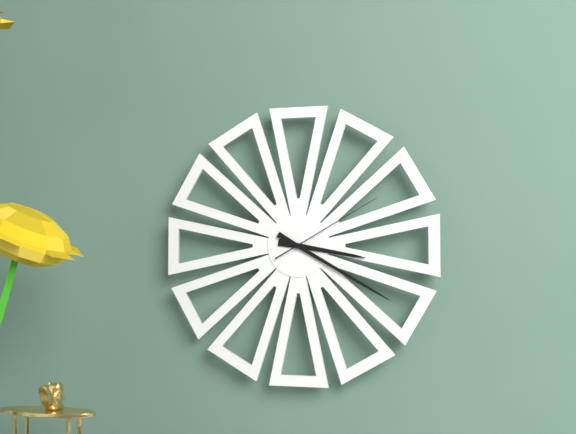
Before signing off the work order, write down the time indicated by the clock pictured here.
3:20:10
